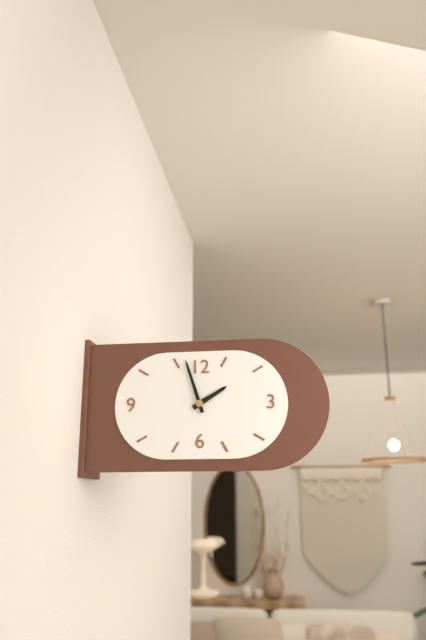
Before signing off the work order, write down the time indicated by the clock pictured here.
1:57
